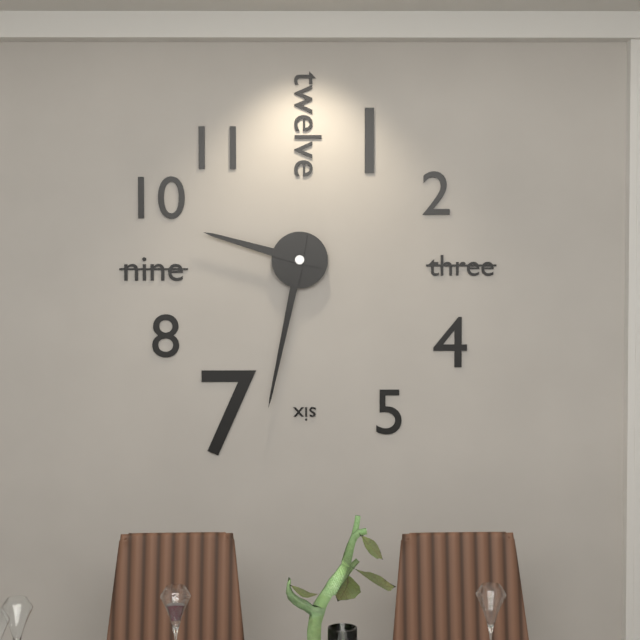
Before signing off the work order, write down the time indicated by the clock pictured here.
9:32
